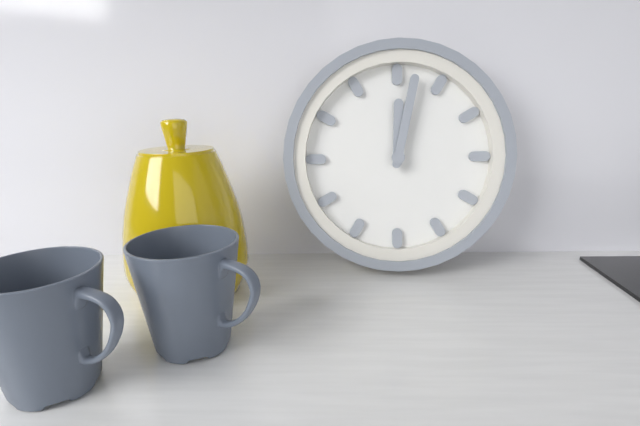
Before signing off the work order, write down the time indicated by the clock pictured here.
12:02
